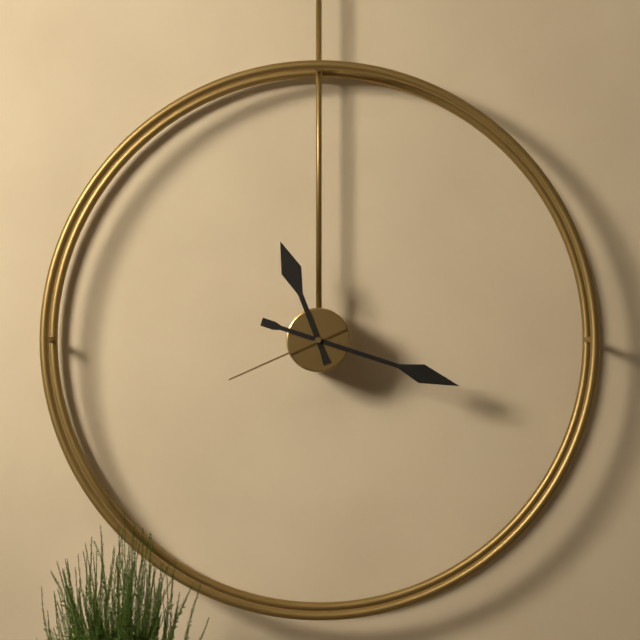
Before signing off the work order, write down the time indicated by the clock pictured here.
11:18:41
